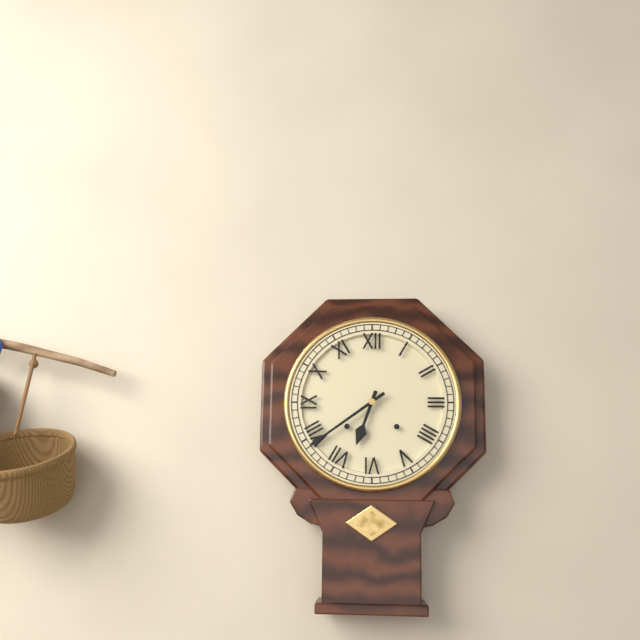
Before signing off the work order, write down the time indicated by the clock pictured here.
6:39
